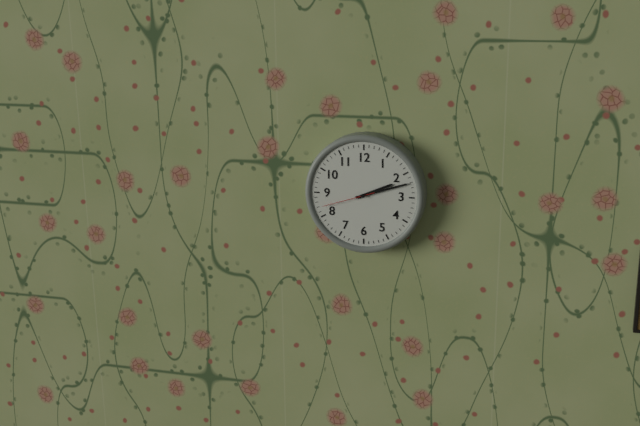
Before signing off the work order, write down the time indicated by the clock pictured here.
2:12:42
